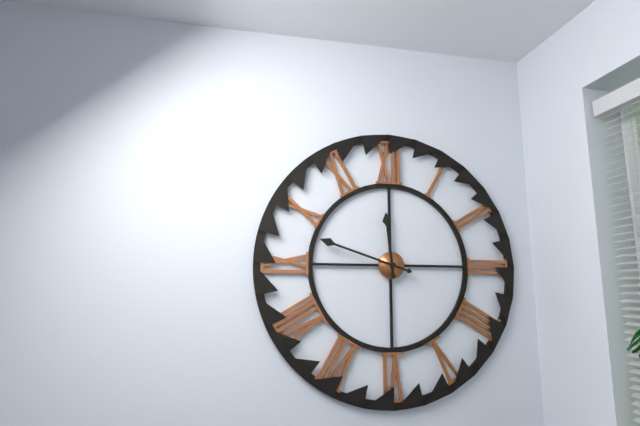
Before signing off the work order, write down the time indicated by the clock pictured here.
11:48
